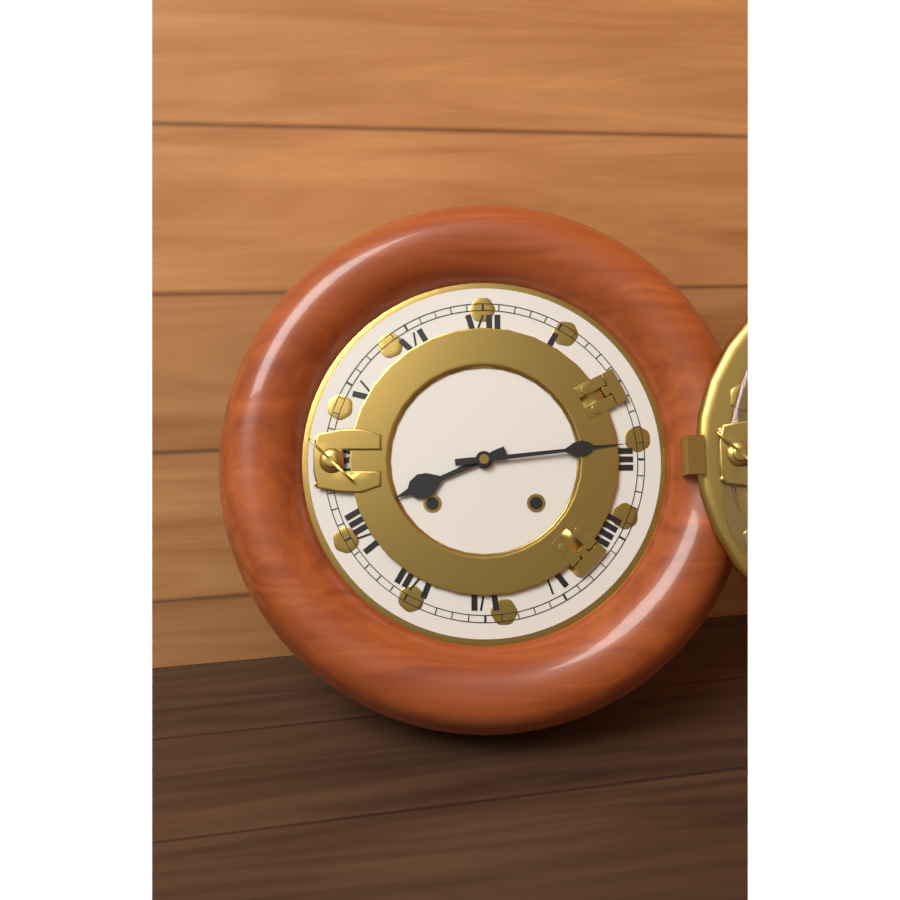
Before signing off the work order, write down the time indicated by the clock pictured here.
8:14
